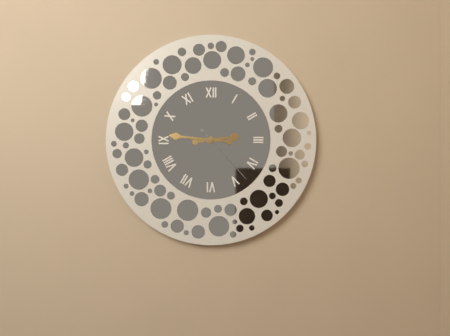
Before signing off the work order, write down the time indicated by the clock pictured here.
2:46:23
